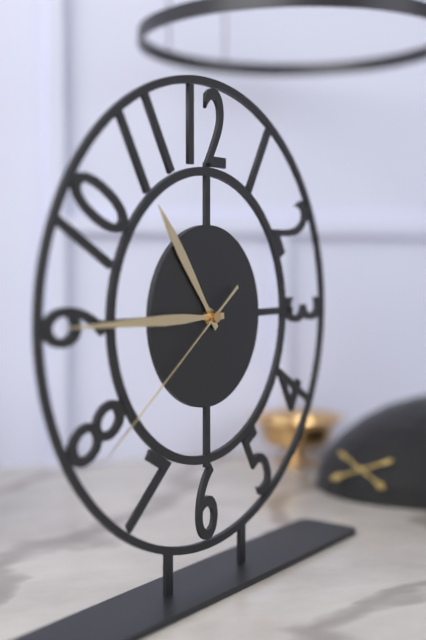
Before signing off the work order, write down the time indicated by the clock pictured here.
10:45:39
